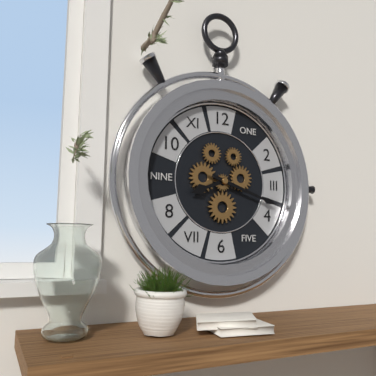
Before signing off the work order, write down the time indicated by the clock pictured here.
8:18
